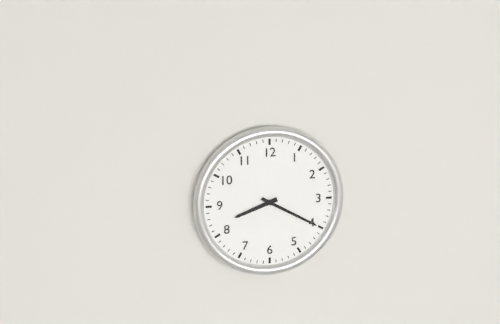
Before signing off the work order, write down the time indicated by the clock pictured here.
8:20
